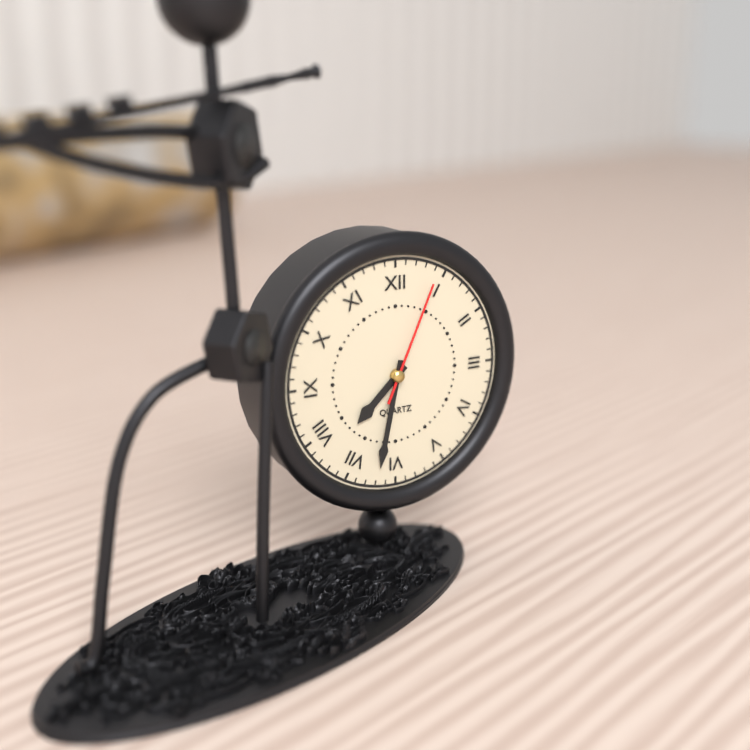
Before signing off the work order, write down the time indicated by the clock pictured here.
7:32:04
